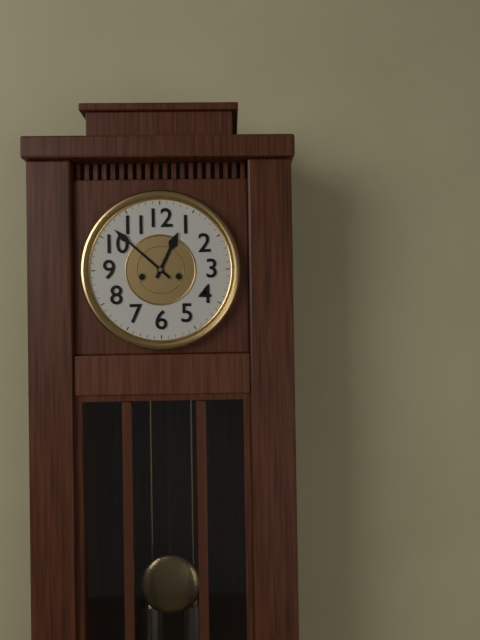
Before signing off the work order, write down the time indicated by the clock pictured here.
12:52
